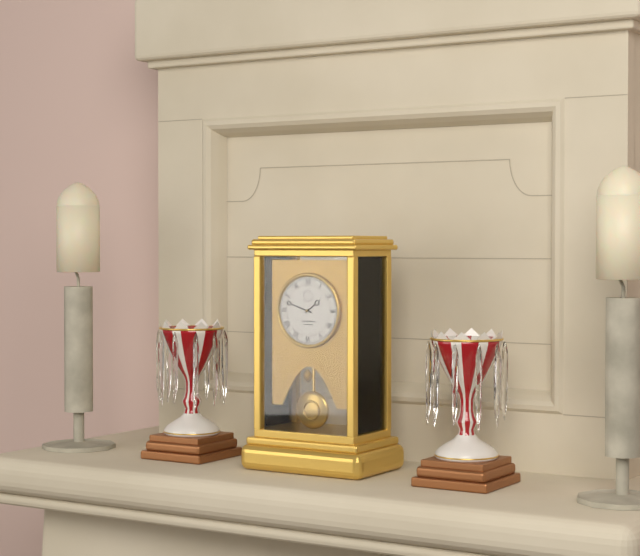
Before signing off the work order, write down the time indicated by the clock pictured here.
1:48
